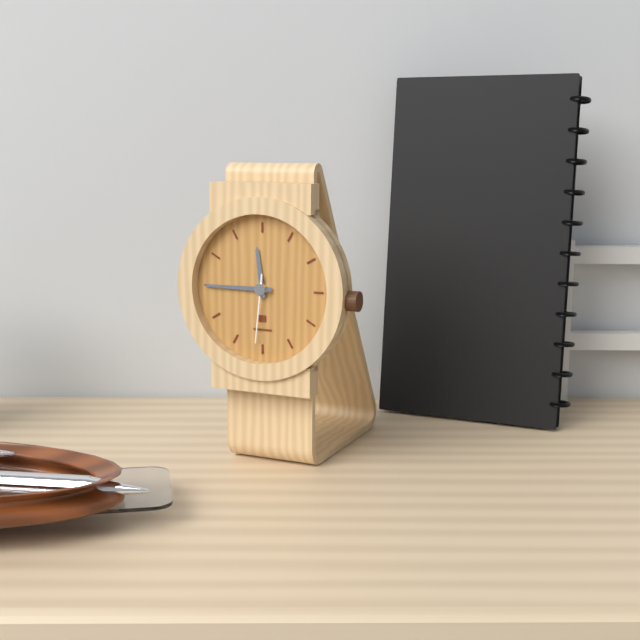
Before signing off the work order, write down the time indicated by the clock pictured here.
11:45:31
